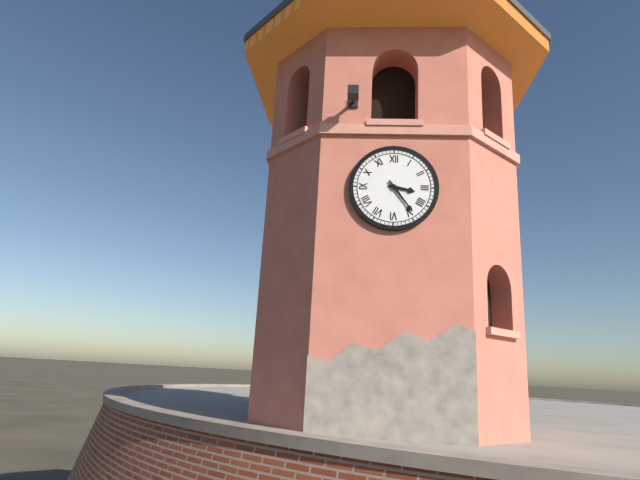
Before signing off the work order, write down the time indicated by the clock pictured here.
3:24
